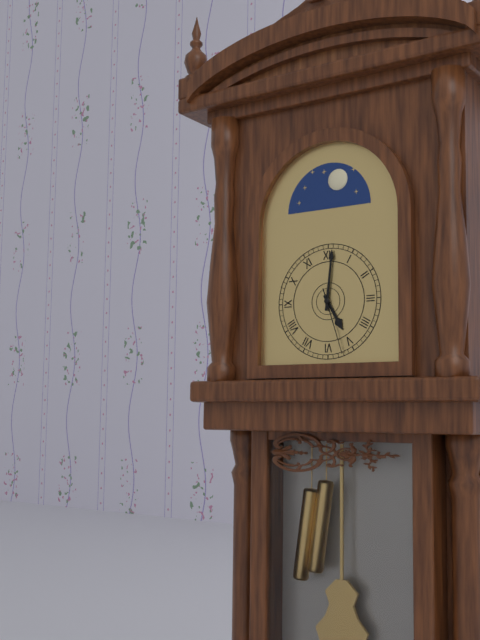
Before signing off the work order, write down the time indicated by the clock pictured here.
5:01:27
